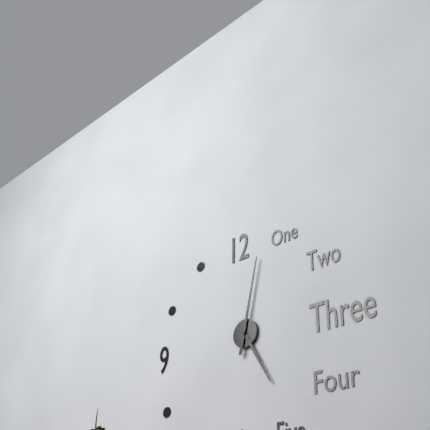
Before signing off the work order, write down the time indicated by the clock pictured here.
5:02
